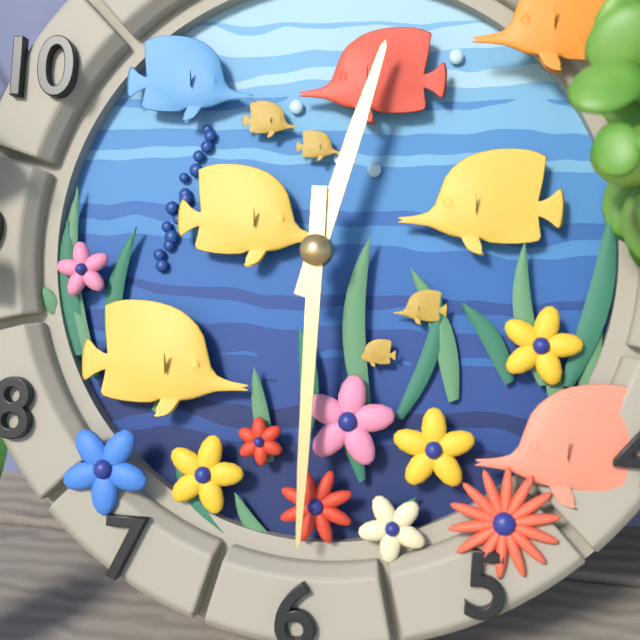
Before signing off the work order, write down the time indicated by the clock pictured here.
12:30
